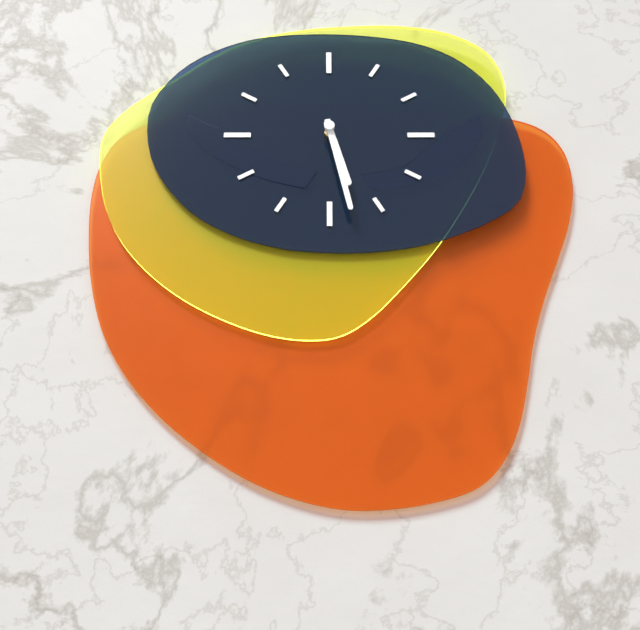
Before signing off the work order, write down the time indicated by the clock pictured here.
5:28
